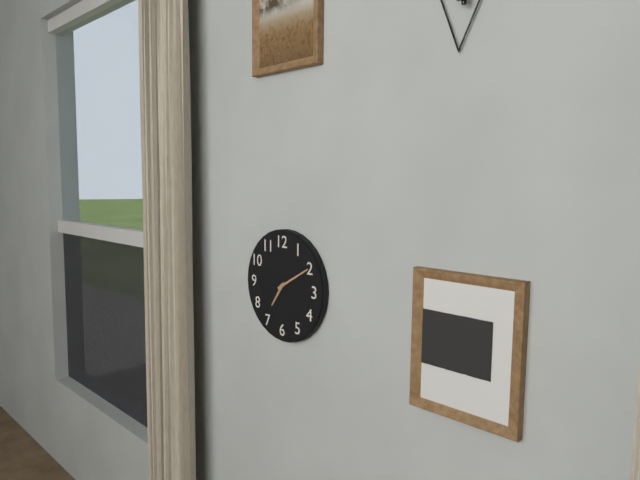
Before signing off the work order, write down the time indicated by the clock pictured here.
7:10
